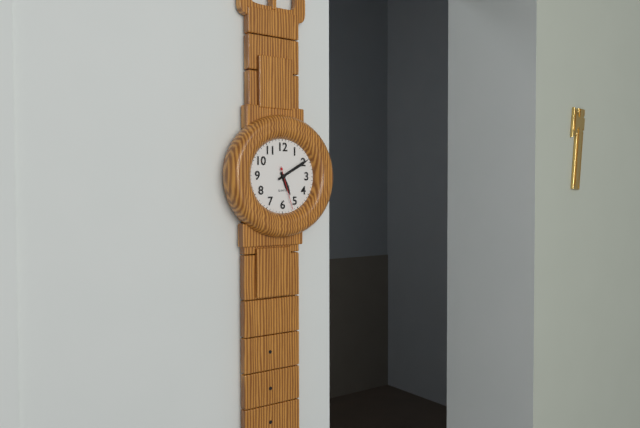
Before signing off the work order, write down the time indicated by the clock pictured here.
5:10
